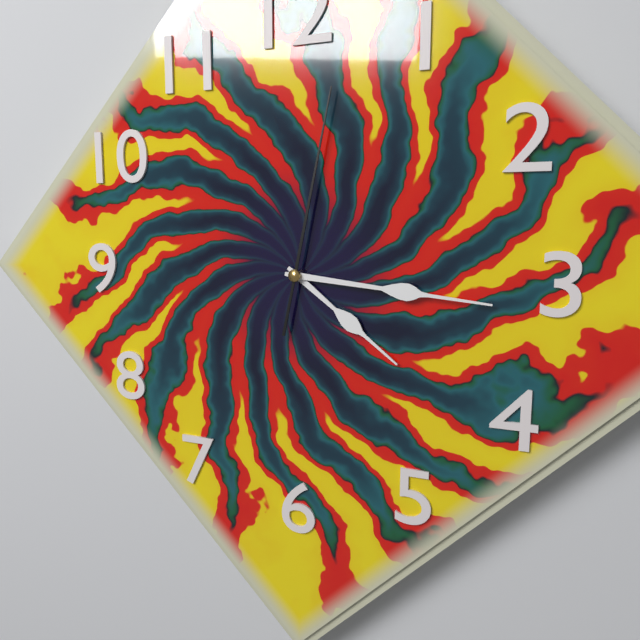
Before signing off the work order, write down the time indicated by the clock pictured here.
4:16:02
